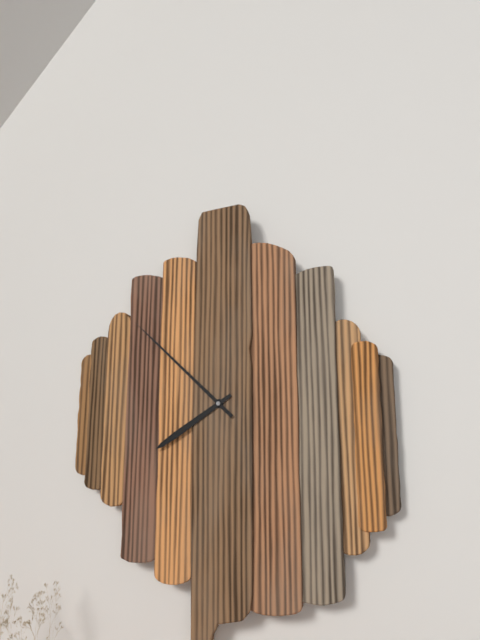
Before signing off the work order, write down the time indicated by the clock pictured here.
7:52
